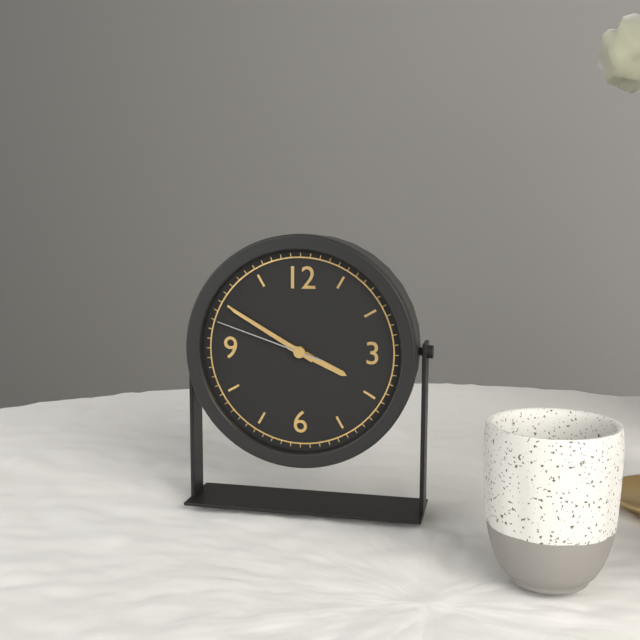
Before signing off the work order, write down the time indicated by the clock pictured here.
3:50:48
